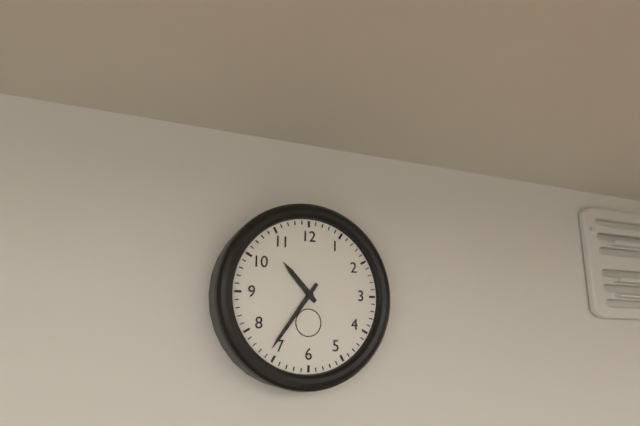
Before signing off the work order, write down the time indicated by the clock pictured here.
10:36
